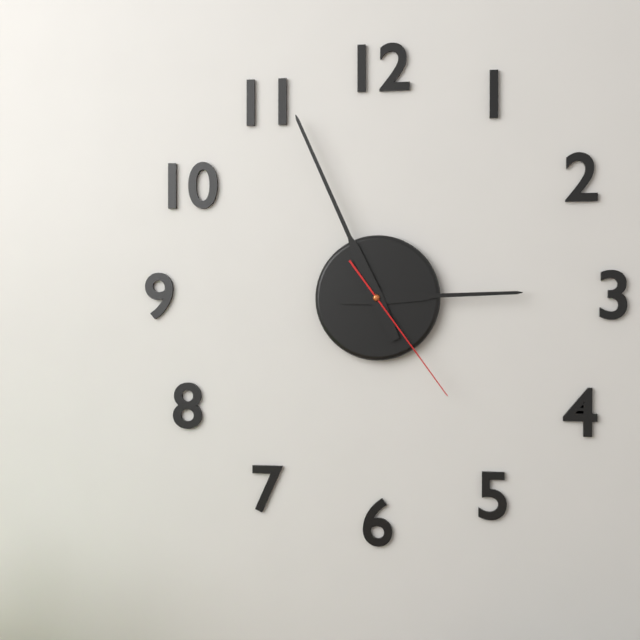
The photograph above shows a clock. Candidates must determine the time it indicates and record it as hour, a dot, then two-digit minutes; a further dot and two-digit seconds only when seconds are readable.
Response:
2.56.24
